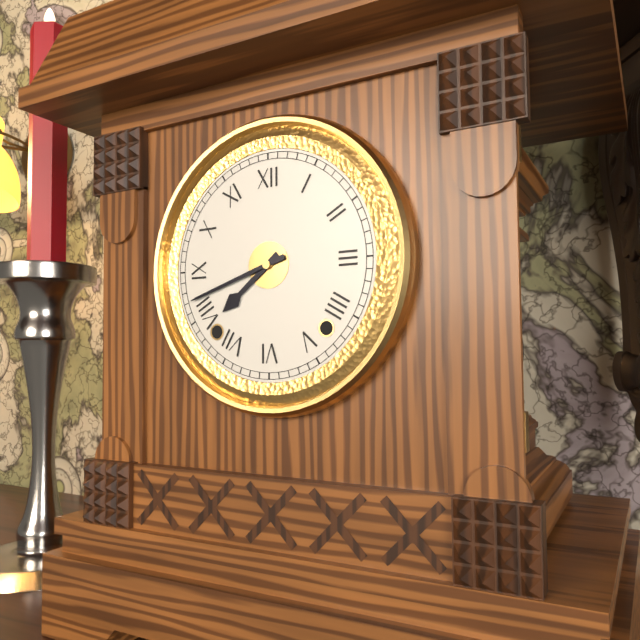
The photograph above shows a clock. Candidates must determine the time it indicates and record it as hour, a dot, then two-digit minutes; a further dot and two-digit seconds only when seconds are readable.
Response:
7.42
